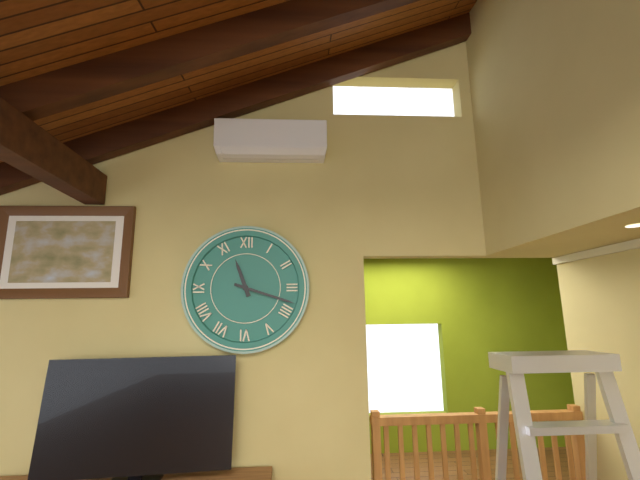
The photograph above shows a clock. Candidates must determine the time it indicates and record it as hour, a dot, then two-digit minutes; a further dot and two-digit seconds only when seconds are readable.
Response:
11.18
